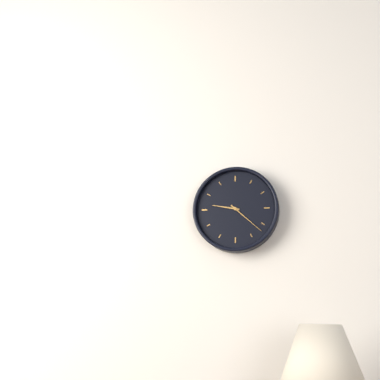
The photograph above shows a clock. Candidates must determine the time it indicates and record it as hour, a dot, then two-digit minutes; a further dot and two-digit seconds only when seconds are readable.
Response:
9.22
